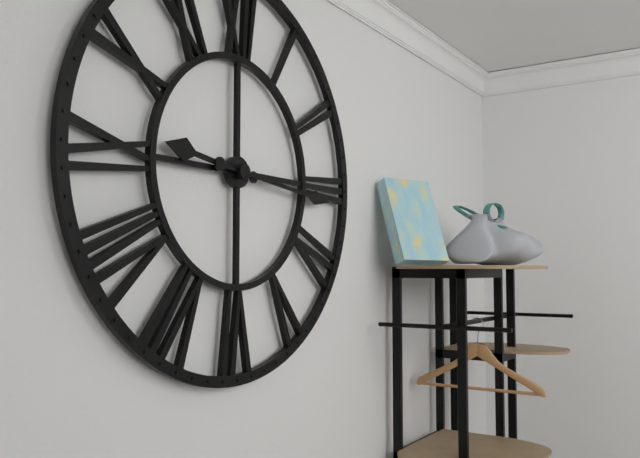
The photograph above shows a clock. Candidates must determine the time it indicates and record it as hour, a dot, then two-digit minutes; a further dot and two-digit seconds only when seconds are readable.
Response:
9.16
